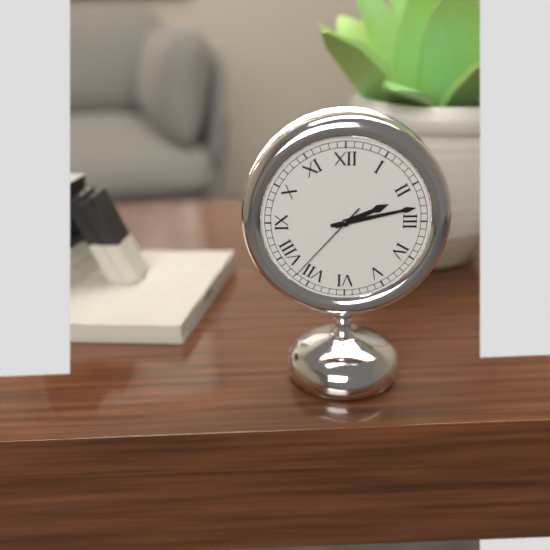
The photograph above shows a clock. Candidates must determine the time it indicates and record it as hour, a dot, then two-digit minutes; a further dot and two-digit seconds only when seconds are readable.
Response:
2.13.37
